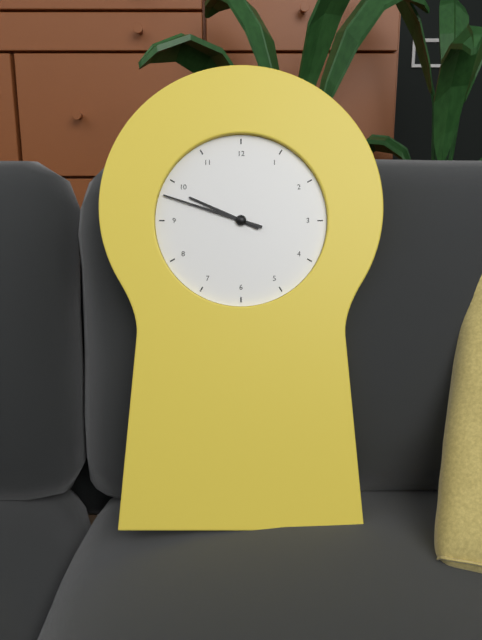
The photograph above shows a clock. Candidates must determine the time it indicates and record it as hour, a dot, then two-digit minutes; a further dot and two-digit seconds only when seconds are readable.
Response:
9.48
